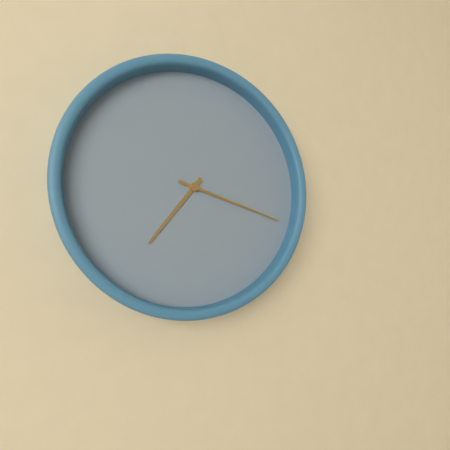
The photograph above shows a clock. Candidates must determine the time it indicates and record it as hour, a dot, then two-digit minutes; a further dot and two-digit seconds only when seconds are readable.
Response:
7.18
